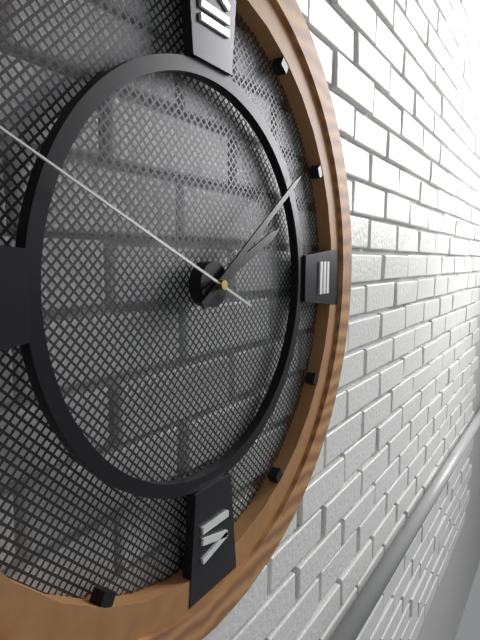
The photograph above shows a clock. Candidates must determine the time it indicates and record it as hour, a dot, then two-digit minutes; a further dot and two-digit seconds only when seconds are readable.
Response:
2.09
